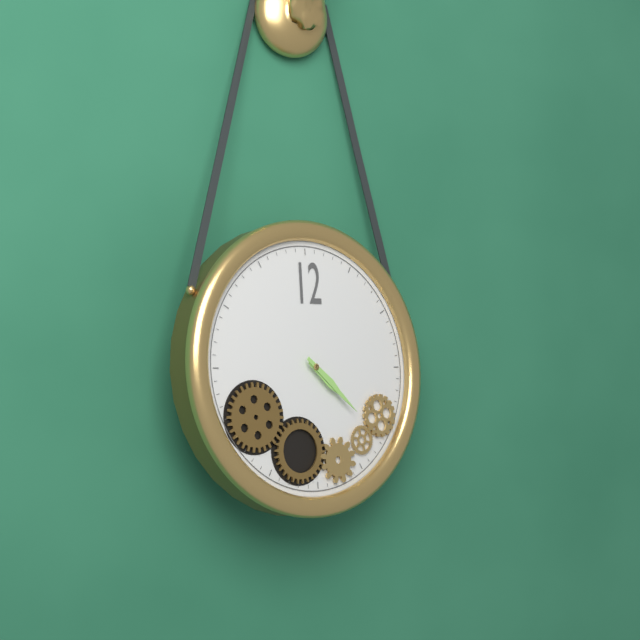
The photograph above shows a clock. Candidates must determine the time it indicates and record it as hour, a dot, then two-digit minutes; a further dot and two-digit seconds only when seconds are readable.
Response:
4.22
